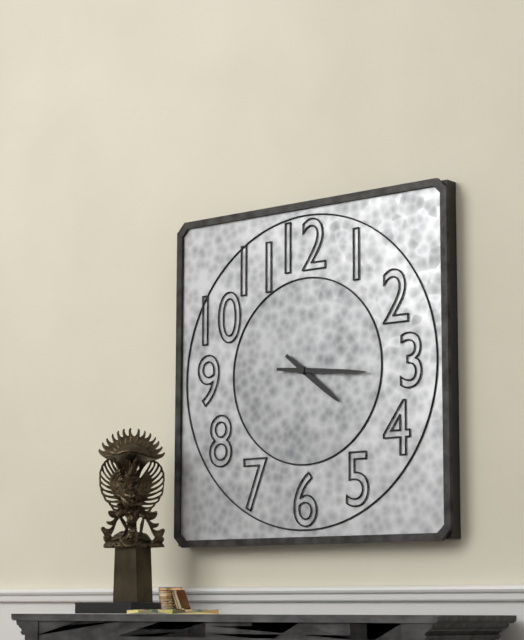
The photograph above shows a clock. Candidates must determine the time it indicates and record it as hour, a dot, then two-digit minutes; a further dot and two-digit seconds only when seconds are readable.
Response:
4.16
